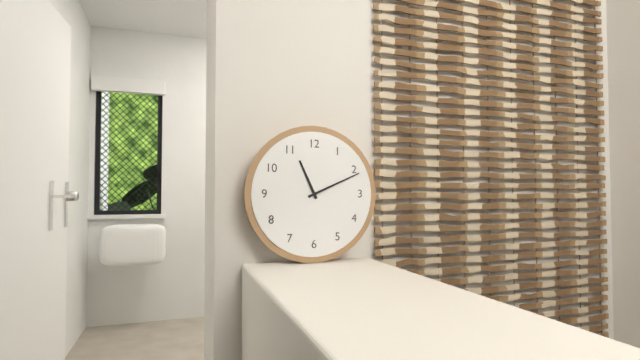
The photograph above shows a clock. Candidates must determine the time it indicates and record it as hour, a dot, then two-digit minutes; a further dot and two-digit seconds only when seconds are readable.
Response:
11.11
